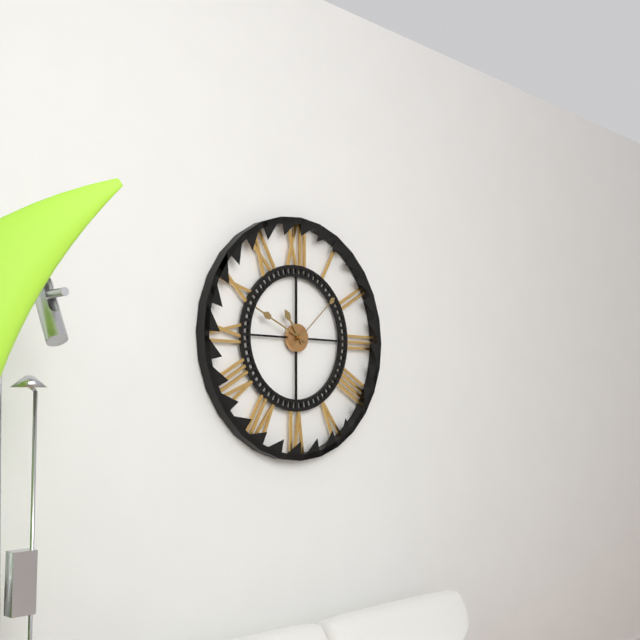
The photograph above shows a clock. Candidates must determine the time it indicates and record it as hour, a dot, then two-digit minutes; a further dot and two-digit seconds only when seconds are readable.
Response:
10.49.08
